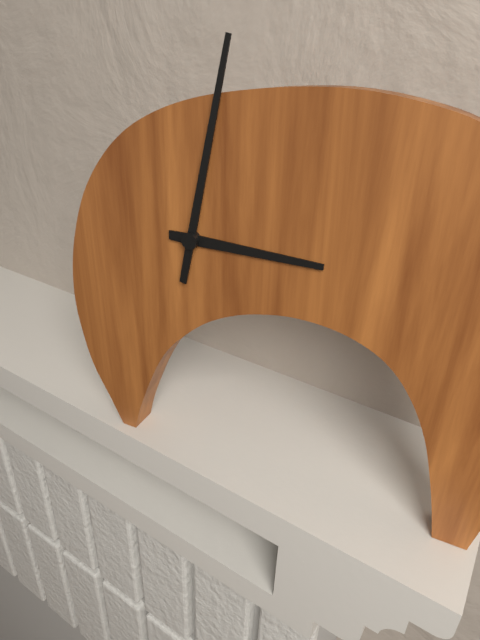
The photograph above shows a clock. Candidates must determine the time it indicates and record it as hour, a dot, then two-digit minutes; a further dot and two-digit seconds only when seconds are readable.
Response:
3.02
